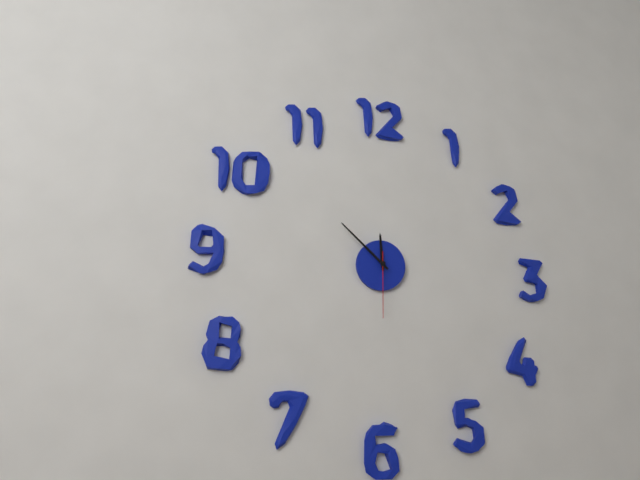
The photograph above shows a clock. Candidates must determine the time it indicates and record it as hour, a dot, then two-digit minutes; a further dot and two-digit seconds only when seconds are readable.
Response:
11.52.30
